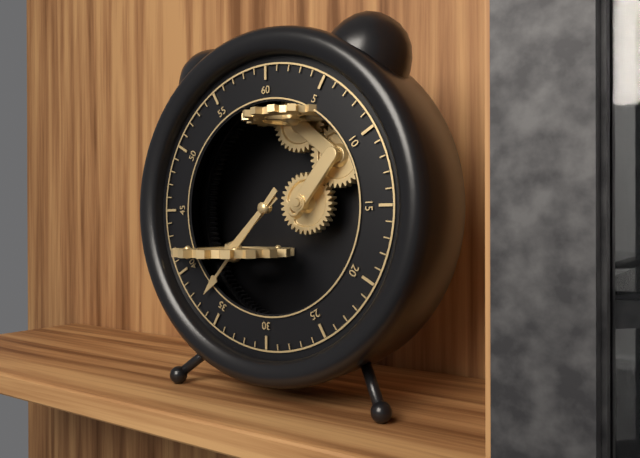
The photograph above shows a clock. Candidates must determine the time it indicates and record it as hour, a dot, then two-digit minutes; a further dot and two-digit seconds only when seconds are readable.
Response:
7.37
